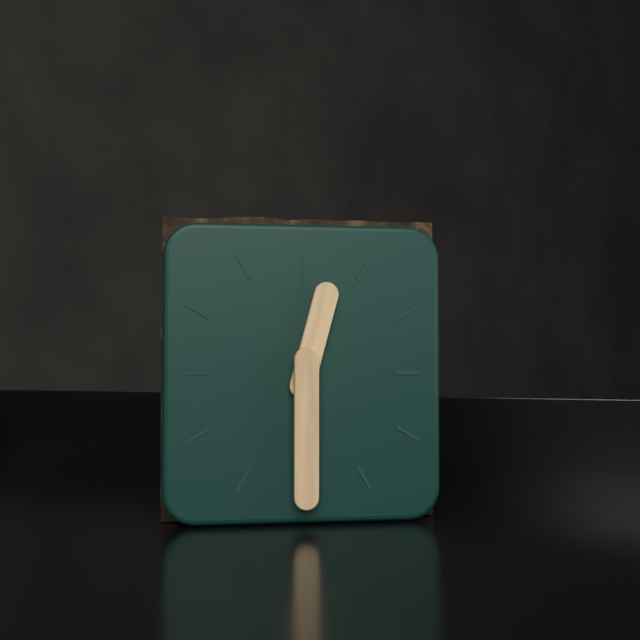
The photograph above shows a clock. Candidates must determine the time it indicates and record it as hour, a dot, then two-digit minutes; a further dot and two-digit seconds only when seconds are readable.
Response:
12.30
